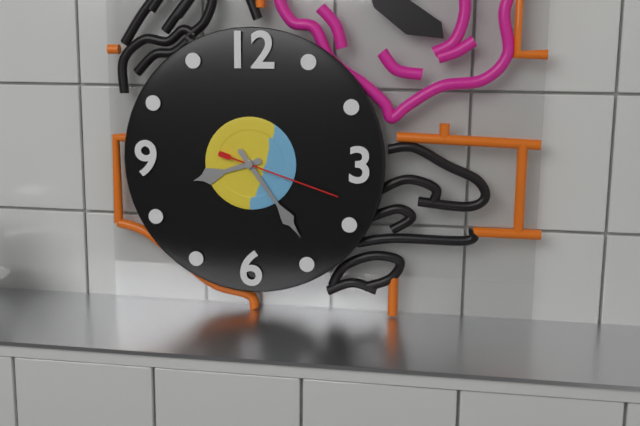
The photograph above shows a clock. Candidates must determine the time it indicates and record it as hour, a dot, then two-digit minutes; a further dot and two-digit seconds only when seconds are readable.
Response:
8.24.18
